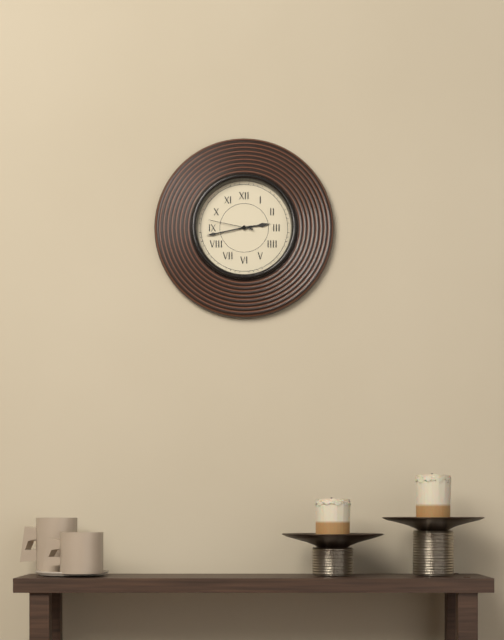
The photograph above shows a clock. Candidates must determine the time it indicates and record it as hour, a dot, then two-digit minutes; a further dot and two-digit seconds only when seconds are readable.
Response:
2.43
